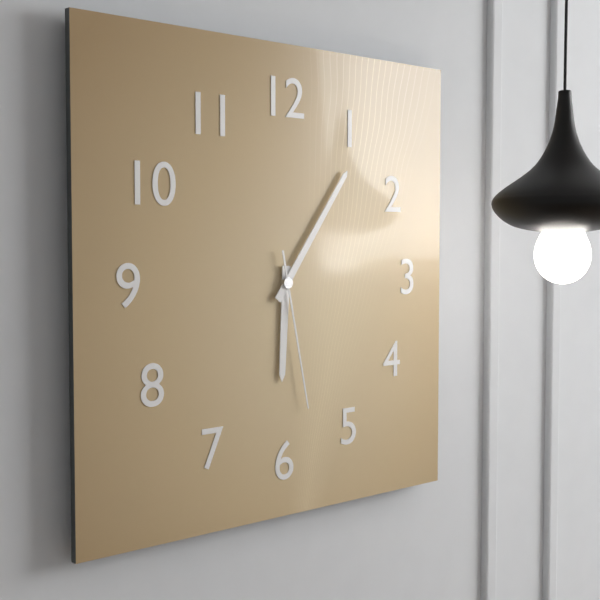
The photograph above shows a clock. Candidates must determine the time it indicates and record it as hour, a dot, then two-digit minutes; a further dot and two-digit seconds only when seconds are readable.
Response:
6.06.28
